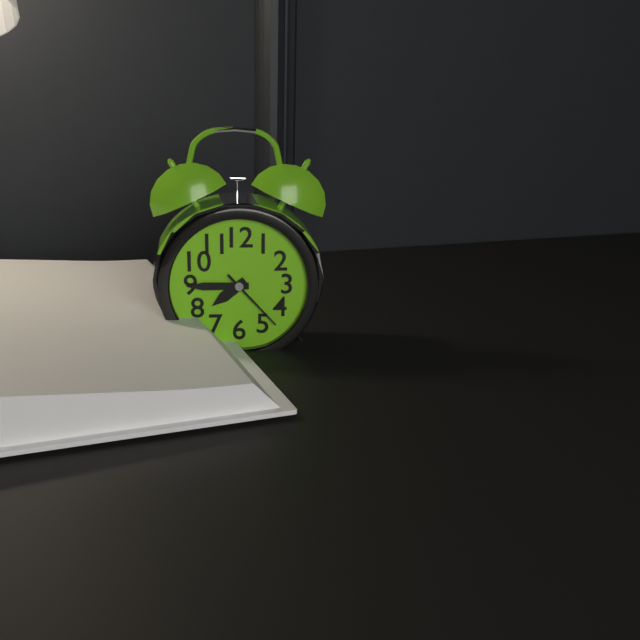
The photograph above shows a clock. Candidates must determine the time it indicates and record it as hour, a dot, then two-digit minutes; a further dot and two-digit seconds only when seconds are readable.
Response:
7.45.23
